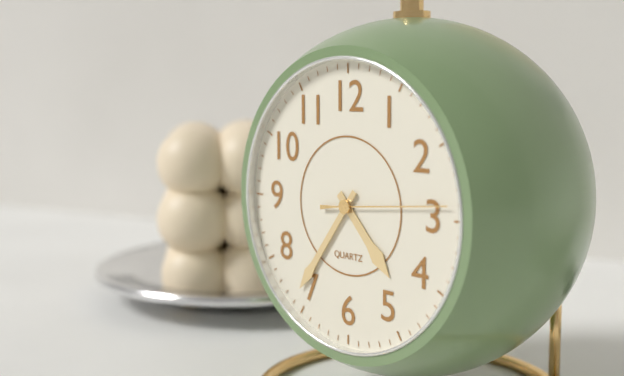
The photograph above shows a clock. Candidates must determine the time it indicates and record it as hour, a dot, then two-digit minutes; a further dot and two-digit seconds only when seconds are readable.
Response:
4.36.14
